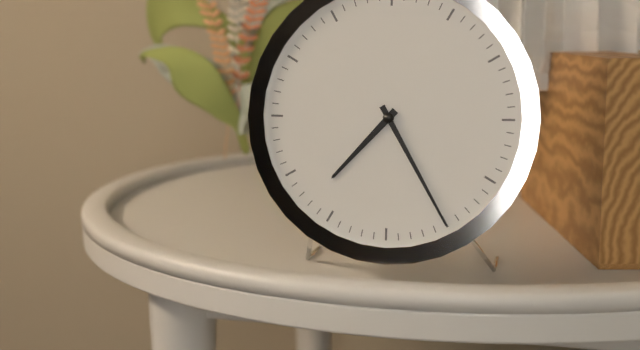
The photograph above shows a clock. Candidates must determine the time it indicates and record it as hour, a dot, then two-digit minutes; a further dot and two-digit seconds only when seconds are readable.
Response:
7.25
